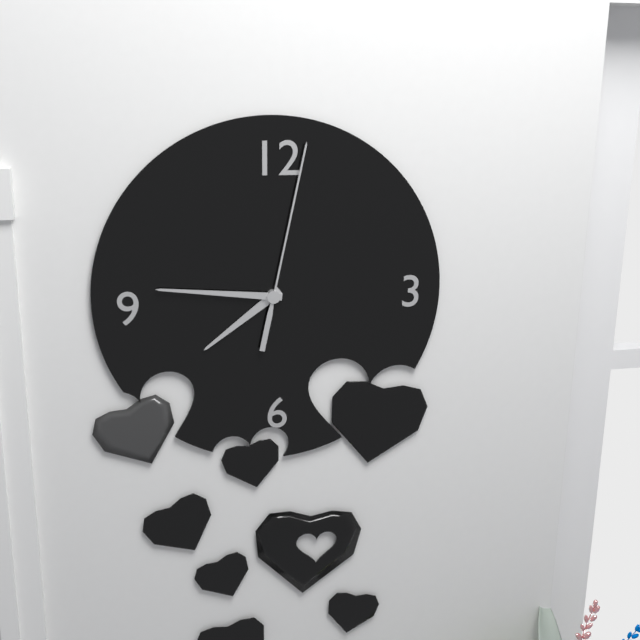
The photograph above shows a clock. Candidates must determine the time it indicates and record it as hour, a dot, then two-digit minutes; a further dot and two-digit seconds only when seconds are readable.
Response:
7.46.02
